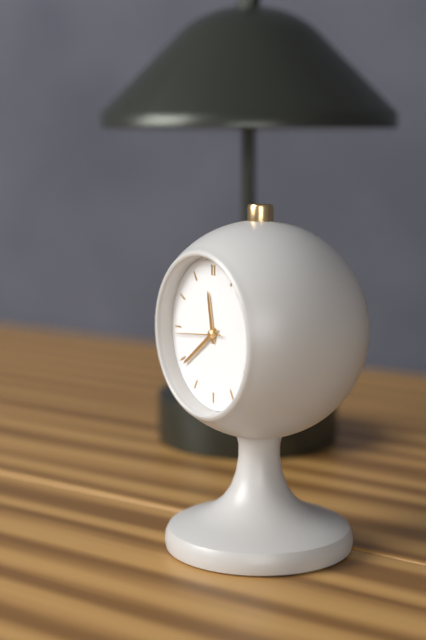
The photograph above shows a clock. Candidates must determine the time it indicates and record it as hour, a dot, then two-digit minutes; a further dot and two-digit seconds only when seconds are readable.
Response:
11.39.44
